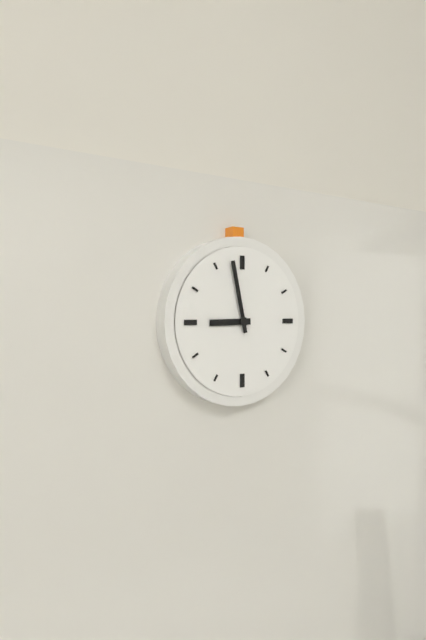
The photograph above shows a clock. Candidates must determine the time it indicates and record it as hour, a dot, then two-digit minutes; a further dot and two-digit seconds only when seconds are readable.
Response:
8.58
